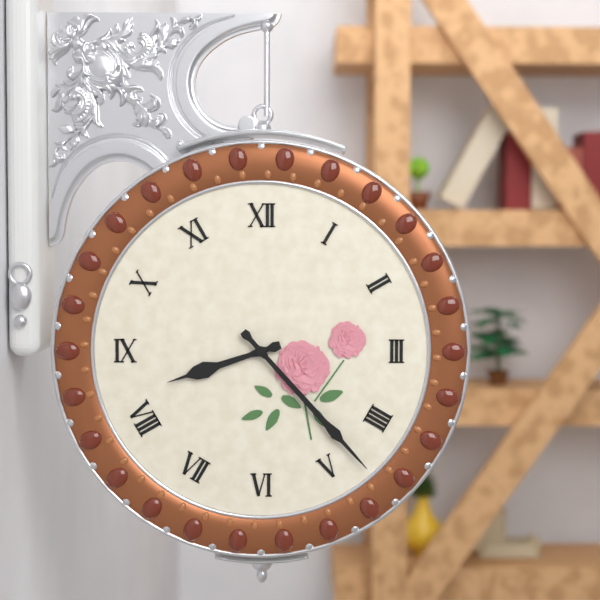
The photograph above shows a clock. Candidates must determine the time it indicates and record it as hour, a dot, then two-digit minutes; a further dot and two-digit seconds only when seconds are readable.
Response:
8.23
